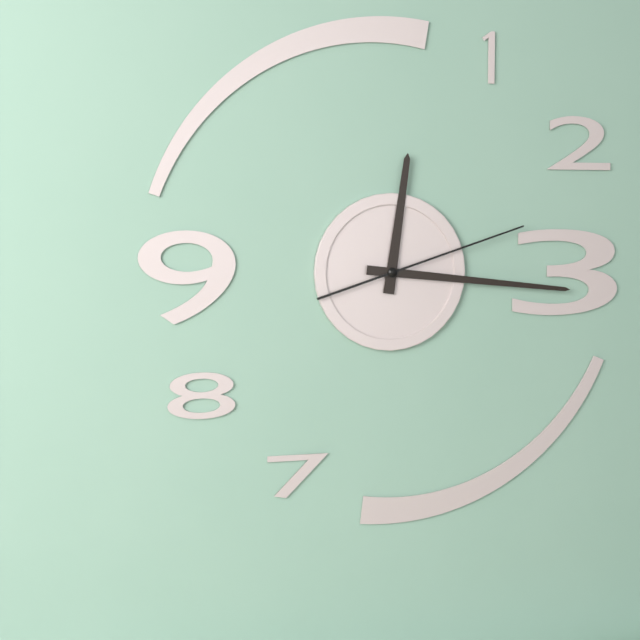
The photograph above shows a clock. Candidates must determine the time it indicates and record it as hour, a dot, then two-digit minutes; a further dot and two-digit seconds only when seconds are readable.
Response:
12.16.12
